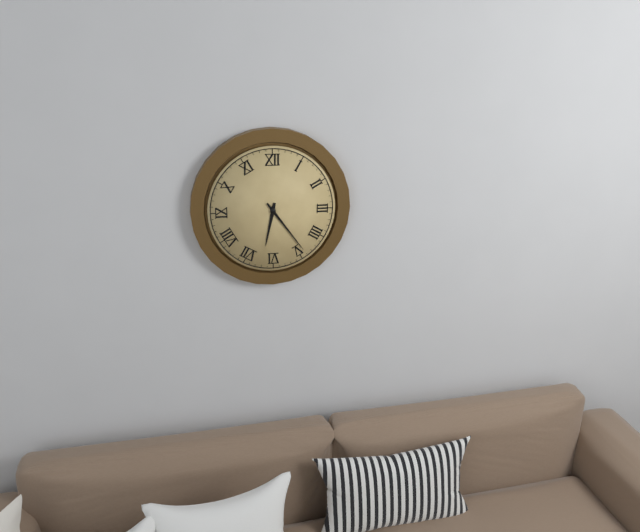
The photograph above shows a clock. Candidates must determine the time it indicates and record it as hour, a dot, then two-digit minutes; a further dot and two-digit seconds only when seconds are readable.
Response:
6.24
